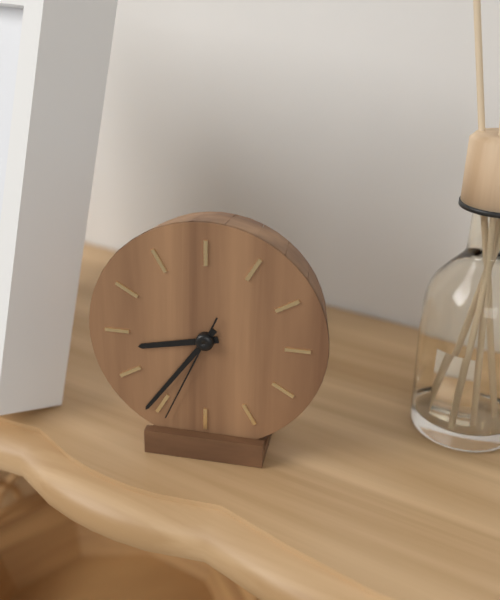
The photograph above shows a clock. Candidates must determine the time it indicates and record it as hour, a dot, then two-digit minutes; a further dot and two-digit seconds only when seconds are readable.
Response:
8.36.34
